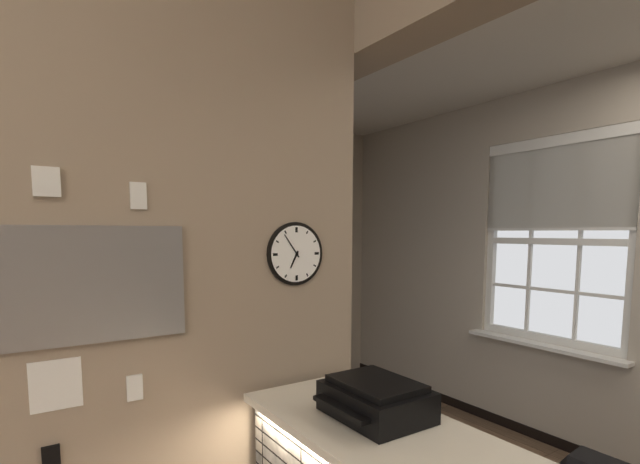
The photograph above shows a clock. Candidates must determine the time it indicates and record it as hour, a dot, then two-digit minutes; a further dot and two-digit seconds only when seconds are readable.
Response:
6.54
